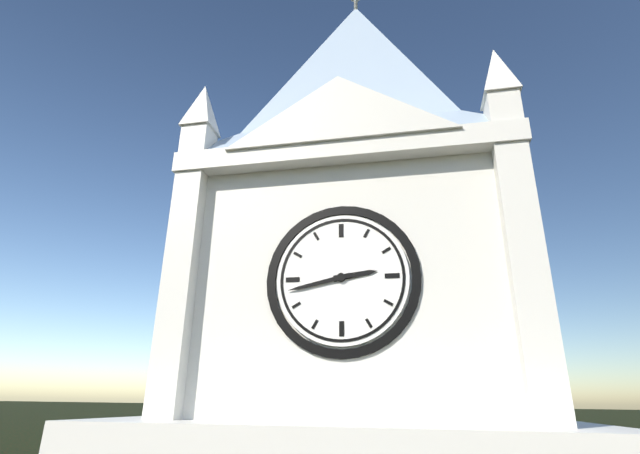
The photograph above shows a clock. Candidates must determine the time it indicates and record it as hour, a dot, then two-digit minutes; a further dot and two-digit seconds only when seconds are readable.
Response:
2.43
